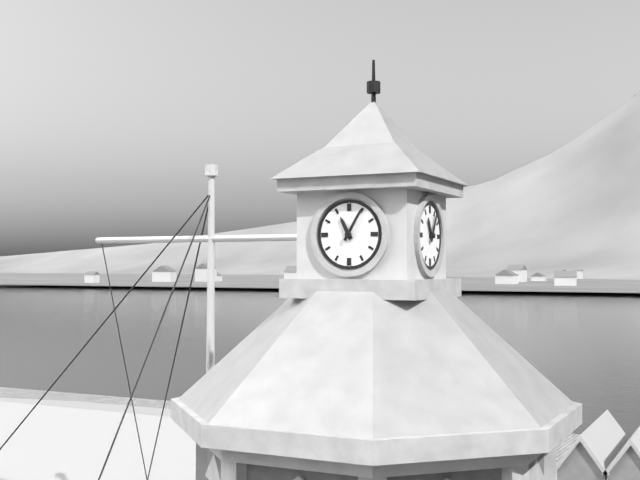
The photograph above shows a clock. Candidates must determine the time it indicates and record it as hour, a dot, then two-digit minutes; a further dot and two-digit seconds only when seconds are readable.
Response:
11.05
